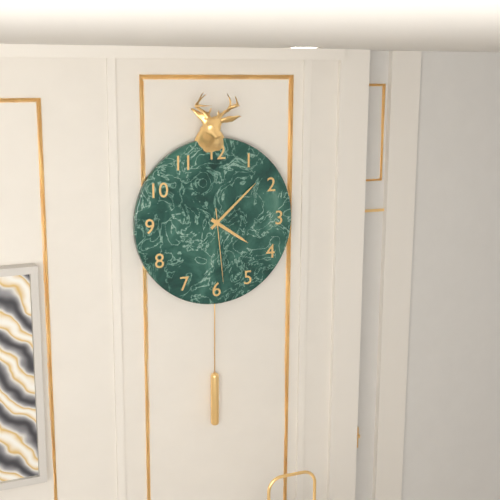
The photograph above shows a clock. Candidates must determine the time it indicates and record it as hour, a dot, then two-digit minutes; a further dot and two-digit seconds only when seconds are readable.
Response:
4.08.29
